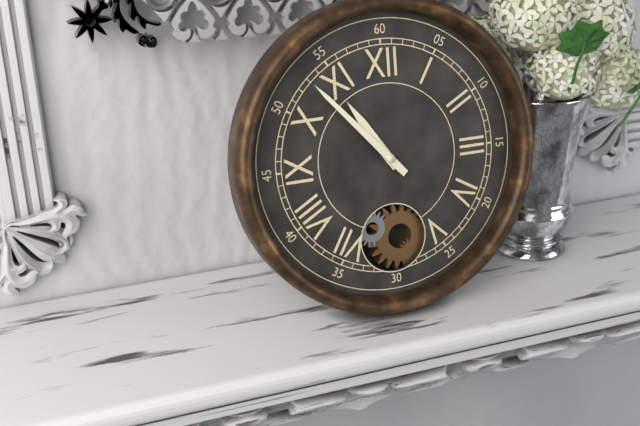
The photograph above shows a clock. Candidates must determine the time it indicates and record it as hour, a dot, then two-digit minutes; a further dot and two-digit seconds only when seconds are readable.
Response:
10.53
